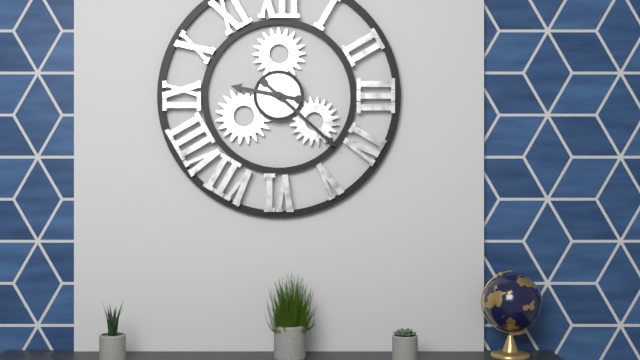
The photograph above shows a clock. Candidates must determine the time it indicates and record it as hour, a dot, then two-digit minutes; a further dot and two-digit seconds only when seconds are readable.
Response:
9.22
